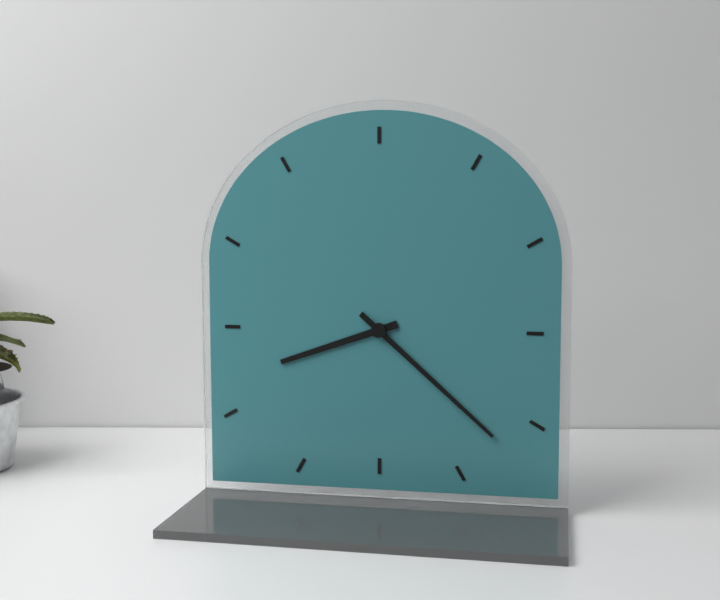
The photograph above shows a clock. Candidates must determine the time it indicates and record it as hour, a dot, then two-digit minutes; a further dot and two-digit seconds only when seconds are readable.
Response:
8.22
